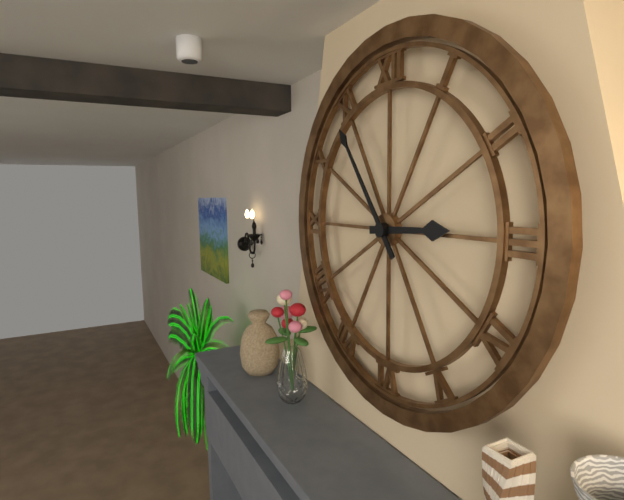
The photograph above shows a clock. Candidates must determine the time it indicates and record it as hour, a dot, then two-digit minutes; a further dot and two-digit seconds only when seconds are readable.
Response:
2.54
